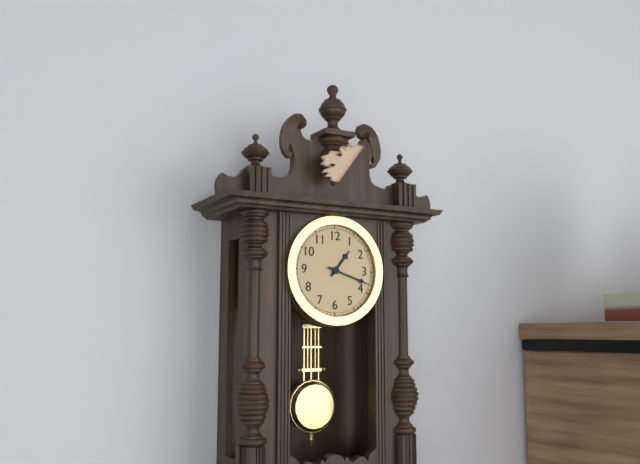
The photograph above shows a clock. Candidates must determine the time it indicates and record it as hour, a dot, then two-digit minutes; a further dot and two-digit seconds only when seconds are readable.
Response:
1.18
